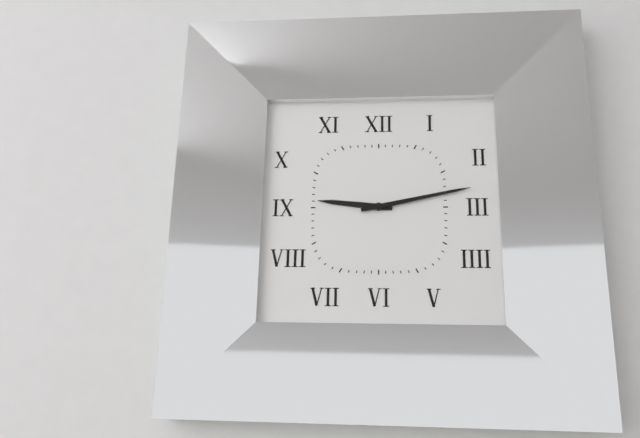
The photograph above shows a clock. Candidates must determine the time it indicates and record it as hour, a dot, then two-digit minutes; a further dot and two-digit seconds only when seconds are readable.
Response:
9.13
